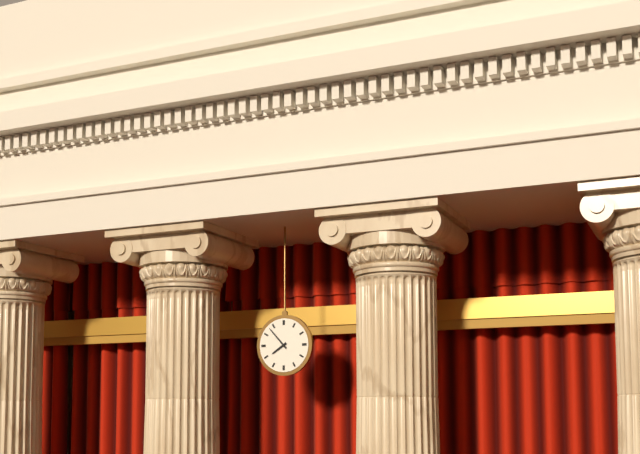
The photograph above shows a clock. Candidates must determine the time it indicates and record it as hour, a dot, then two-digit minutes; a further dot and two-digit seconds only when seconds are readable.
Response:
7.53
